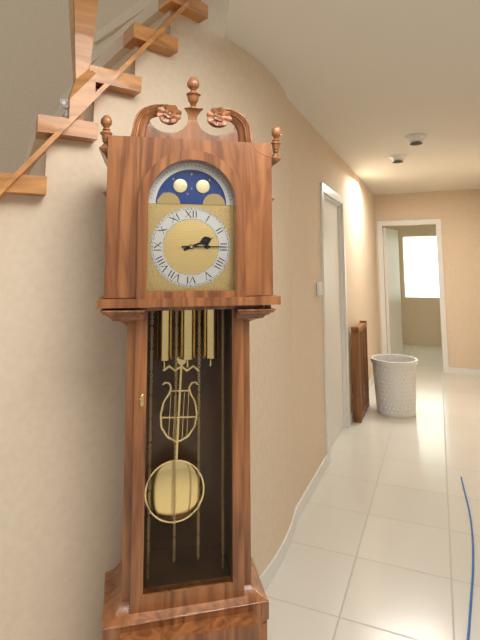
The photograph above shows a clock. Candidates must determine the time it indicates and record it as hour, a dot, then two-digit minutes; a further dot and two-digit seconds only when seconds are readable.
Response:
2.15
